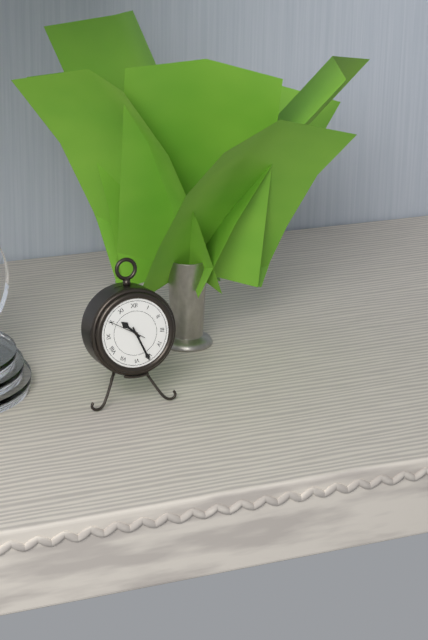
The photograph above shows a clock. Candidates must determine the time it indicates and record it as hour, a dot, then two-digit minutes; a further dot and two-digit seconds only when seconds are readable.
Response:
10.26
